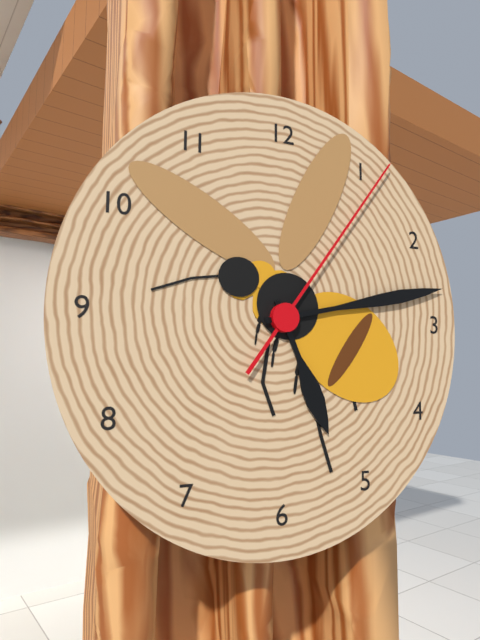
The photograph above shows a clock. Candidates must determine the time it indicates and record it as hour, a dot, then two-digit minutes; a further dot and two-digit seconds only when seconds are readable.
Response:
5.13.06
